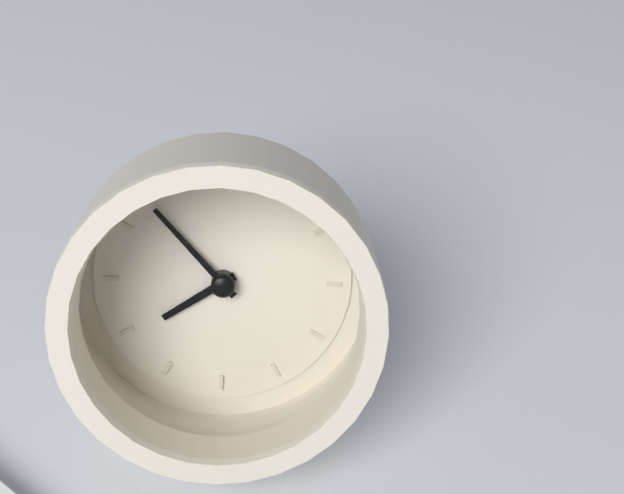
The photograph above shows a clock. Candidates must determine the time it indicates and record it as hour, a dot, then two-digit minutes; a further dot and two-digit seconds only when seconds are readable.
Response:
7.53
